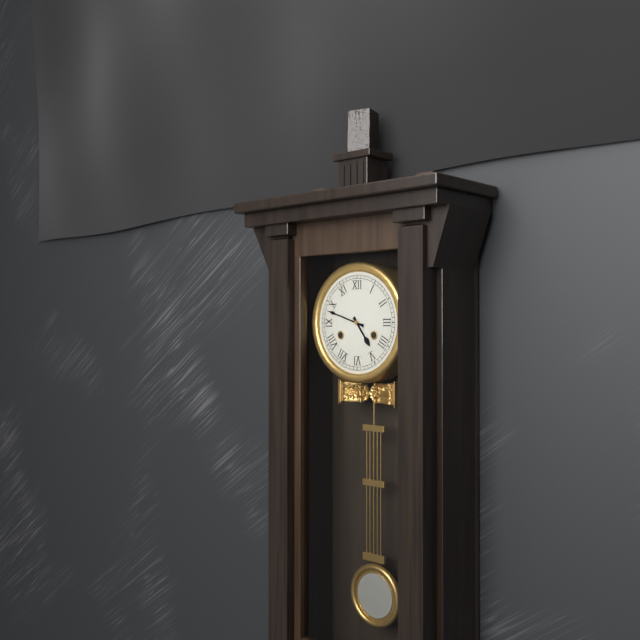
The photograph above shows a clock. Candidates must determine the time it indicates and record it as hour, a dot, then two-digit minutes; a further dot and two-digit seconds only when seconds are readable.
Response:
4.48
